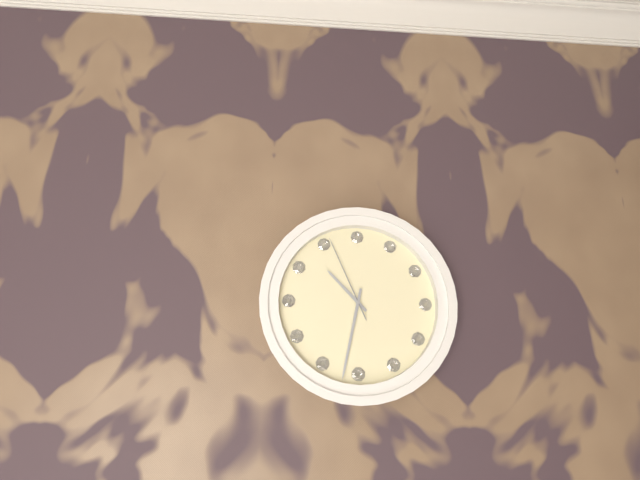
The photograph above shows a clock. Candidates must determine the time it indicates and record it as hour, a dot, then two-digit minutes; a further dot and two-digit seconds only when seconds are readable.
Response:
10.32.56
